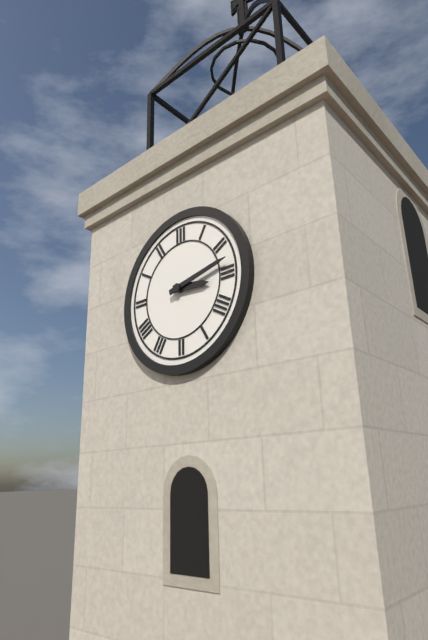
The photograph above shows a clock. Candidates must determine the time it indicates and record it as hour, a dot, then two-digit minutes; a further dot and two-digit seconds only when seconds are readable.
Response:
3.13
